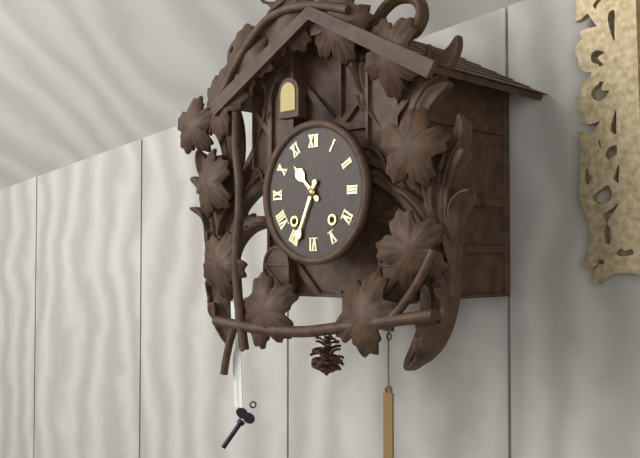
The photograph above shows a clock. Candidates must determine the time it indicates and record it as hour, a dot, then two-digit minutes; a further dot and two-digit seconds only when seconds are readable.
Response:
10.34
